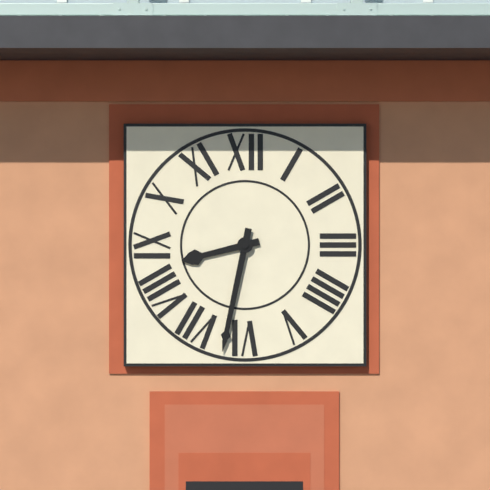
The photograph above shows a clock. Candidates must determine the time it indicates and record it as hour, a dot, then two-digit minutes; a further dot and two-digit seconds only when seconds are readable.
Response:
8.32
